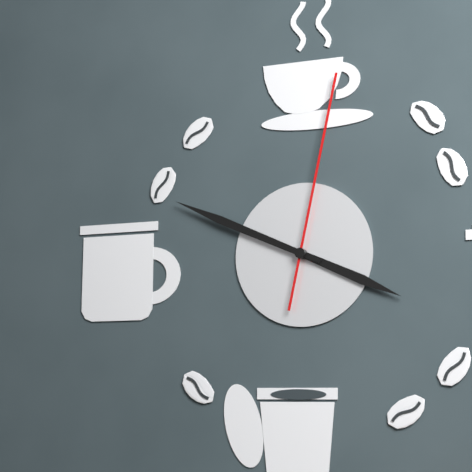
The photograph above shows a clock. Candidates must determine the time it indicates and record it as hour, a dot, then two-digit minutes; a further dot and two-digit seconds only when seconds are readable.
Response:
3.49.02
